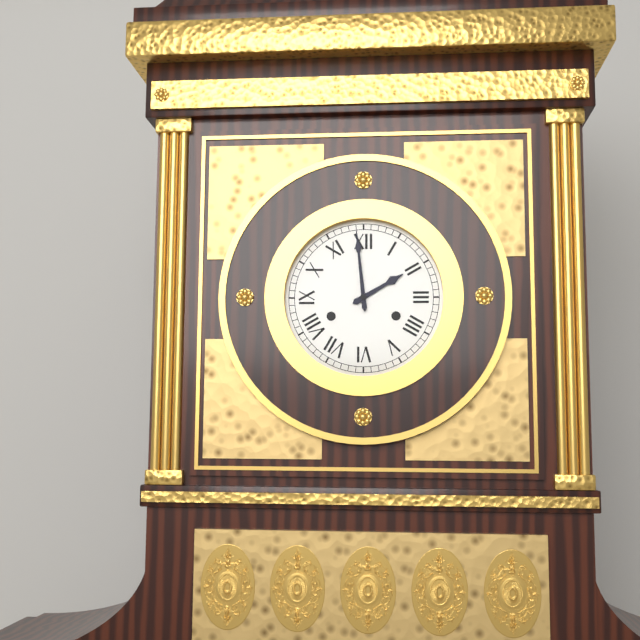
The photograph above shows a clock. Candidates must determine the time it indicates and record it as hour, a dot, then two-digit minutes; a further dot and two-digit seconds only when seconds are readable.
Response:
1.59
